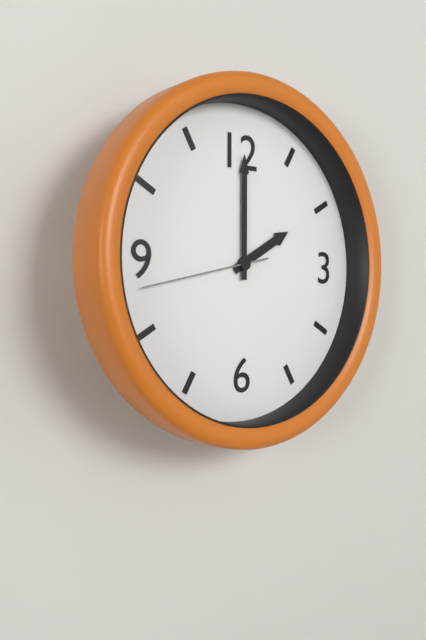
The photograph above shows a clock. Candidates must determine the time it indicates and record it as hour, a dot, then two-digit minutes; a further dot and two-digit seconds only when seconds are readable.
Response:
2.00.43
